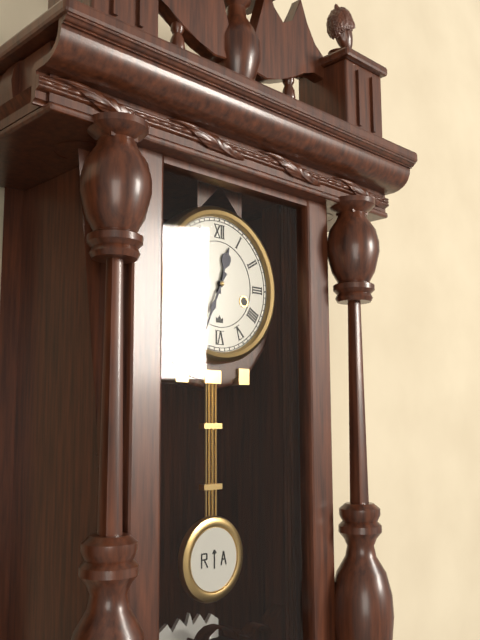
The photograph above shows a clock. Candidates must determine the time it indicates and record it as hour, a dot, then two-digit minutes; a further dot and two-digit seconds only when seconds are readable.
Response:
12.34
